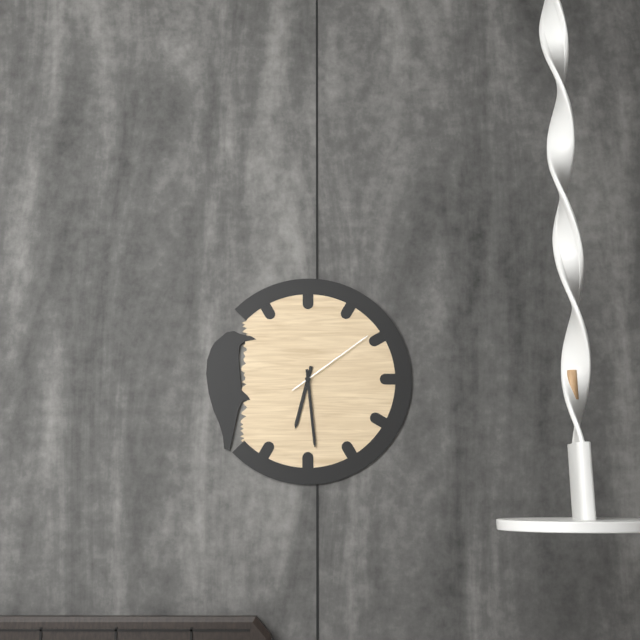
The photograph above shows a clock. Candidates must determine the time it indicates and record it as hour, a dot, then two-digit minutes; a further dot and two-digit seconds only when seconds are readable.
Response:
6.29.09
